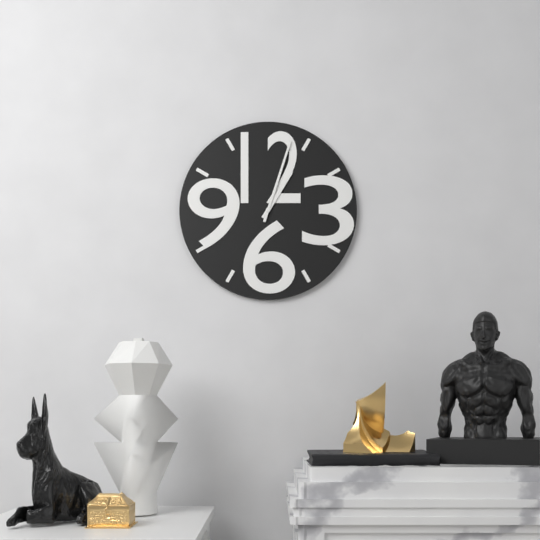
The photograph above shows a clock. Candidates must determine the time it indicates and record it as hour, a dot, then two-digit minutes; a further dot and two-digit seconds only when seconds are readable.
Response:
1.03
